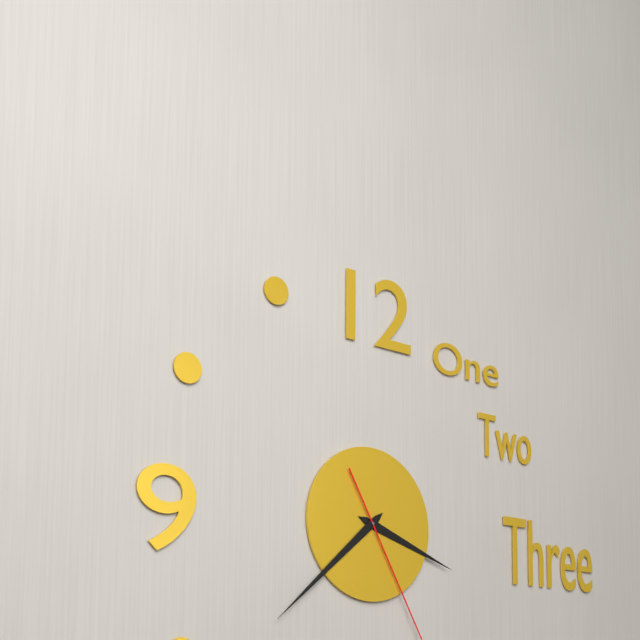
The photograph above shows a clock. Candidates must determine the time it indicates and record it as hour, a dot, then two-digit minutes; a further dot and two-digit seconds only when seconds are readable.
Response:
3.38
